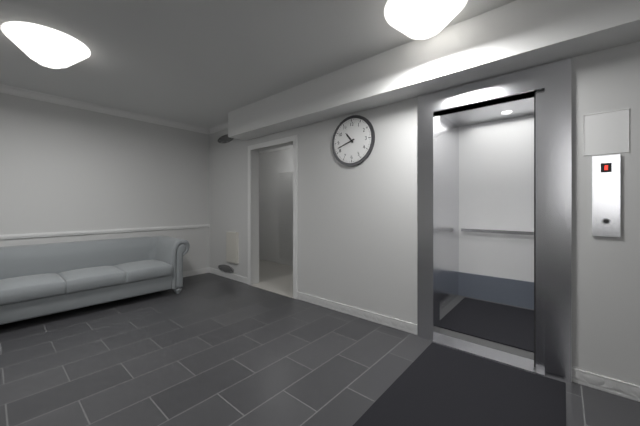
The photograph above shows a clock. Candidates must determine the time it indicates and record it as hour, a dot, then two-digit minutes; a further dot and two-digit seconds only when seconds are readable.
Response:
10.42
